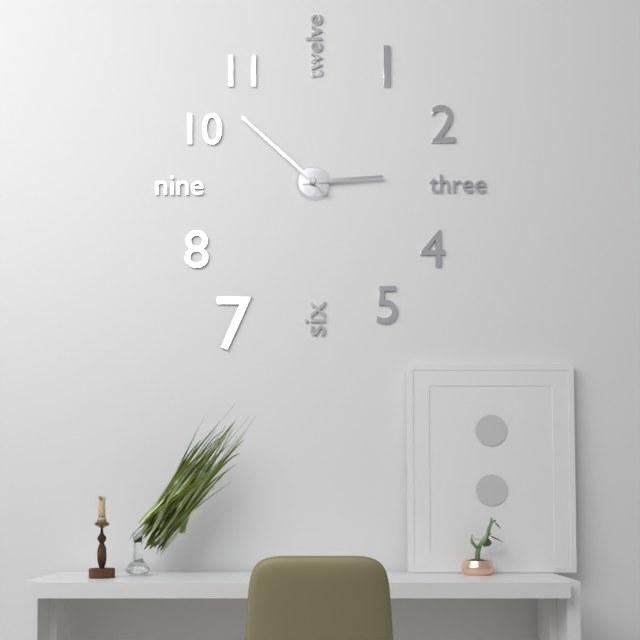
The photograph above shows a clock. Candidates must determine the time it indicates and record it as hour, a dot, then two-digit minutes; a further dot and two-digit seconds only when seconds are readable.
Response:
2.52
